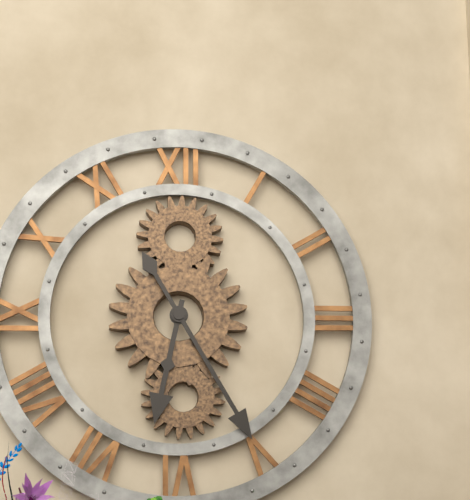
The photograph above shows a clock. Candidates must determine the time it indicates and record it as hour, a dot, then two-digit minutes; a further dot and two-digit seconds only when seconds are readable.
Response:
6.25
